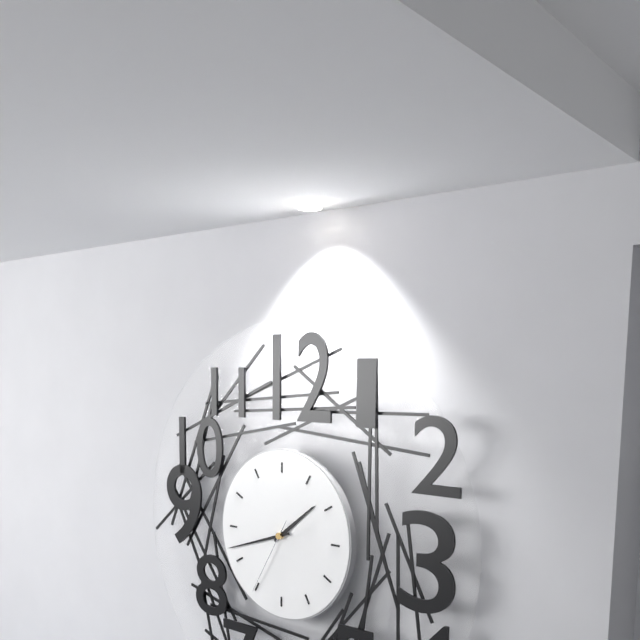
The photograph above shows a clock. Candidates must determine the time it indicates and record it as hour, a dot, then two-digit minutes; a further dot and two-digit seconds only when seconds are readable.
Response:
1.42.35
